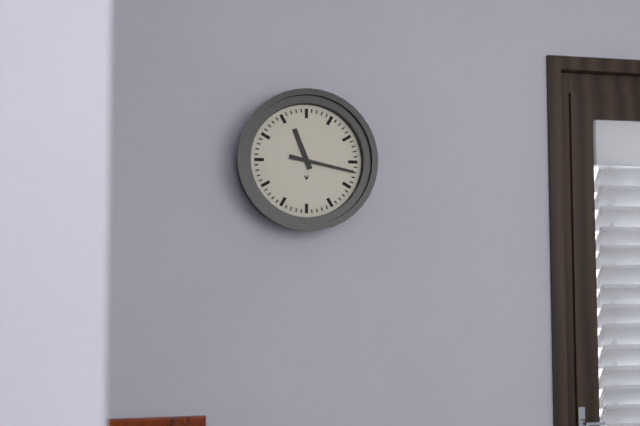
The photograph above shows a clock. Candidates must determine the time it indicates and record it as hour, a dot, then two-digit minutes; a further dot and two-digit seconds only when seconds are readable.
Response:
11.17
